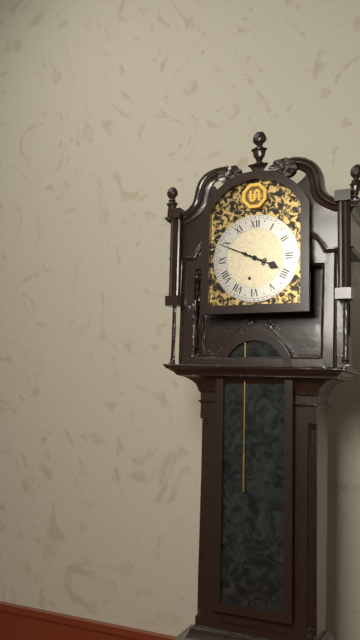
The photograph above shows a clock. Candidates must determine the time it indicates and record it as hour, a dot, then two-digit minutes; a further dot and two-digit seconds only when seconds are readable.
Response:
3.49
